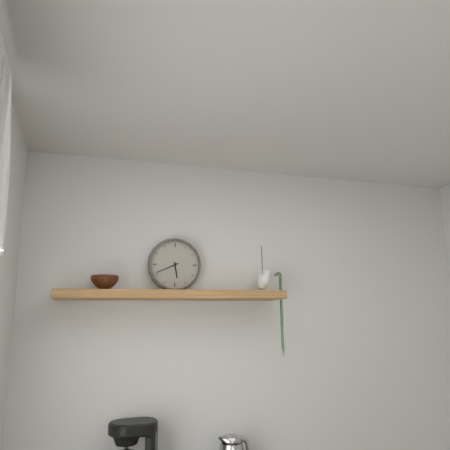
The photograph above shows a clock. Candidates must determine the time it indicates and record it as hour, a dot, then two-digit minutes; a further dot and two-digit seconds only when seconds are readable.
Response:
5.41
